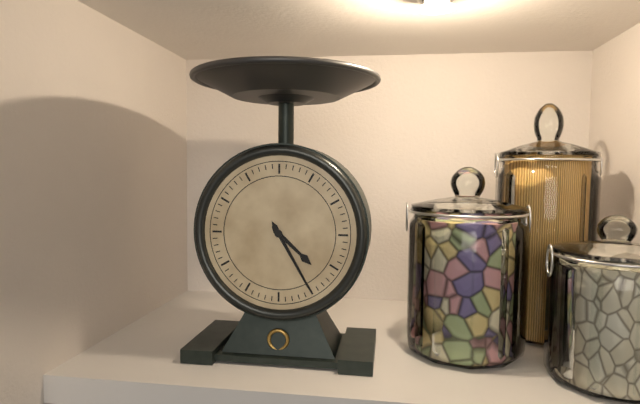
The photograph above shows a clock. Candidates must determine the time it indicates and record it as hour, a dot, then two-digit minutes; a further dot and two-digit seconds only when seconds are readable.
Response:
4.25
